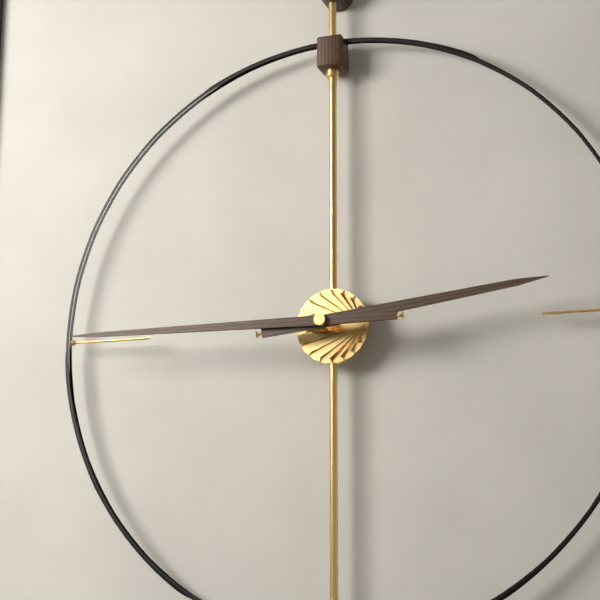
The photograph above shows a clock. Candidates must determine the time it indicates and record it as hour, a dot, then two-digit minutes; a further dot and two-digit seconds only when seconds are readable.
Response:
2.45
